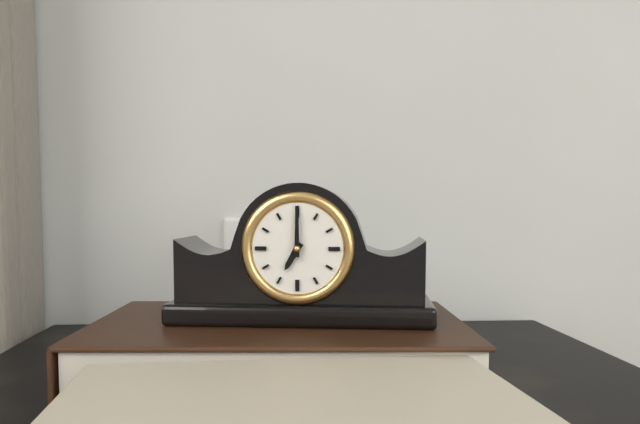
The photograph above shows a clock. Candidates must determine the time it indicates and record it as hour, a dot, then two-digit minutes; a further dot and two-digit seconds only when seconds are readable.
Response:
7.00
